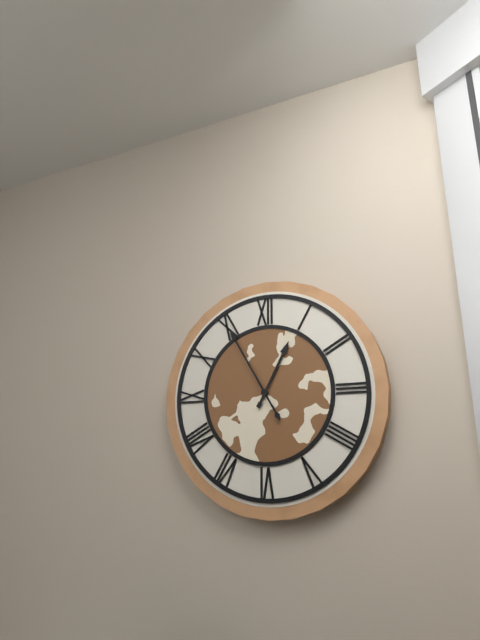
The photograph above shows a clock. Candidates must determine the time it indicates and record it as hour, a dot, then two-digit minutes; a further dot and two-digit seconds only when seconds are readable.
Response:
12.55
